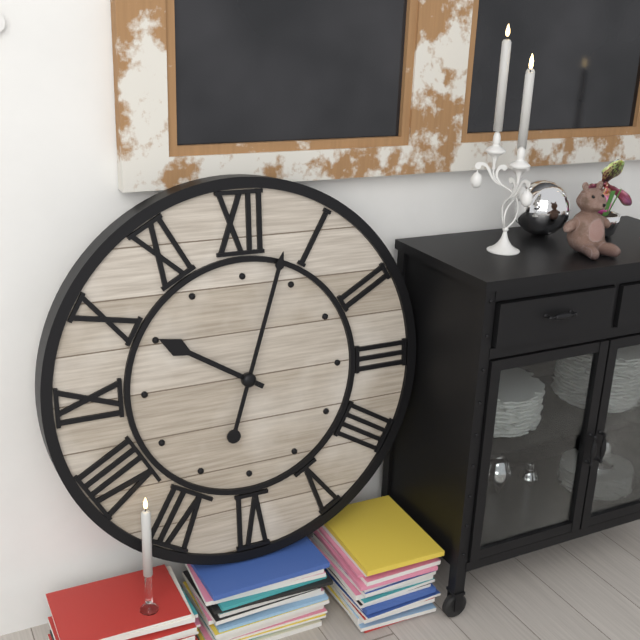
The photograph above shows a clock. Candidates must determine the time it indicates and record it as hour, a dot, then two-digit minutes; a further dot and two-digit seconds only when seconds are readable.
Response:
10.03
